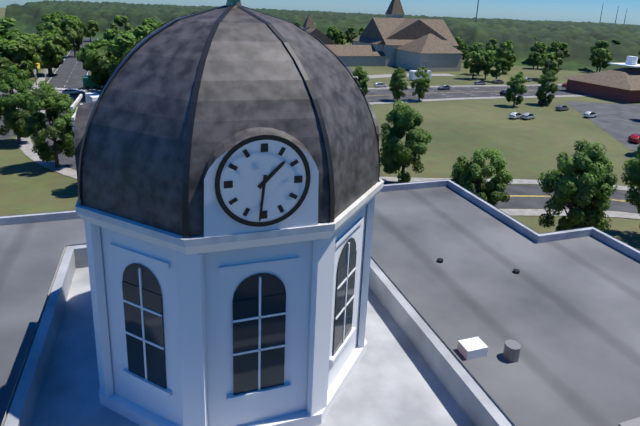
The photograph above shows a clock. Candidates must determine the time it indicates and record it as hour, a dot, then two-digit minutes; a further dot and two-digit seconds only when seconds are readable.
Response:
1.31
